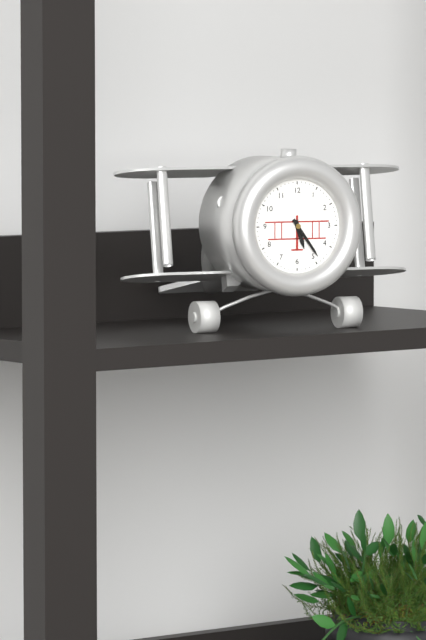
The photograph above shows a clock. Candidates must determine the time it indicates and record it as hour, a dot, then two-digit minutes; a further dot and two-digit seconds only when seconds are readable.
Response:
5.24
